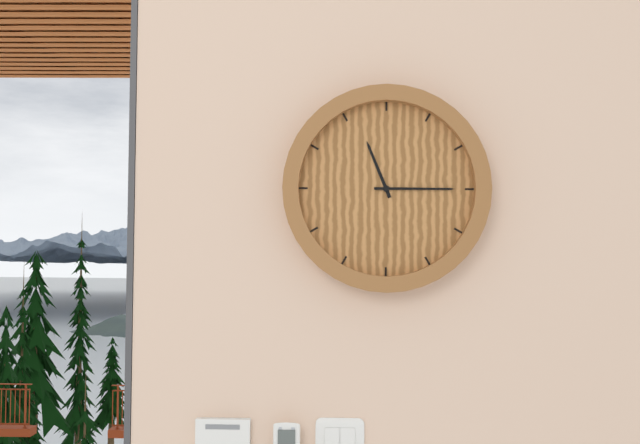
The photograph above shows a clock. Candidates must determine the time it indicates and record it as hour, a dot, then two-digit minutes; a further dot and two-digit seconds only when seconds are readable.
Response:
11.15
